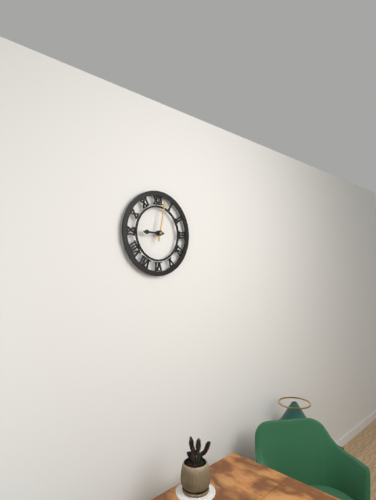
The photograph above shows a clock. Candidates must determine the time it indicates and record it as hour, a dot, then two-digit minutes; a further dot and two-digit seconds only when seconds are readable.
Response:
9.02
